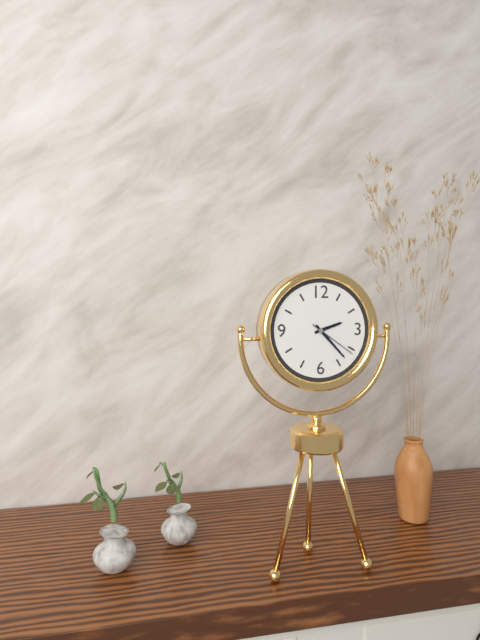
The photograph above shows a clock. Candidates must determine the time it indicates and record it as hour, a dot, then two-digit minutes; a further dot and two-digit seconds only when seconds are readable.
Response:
2.23.21
